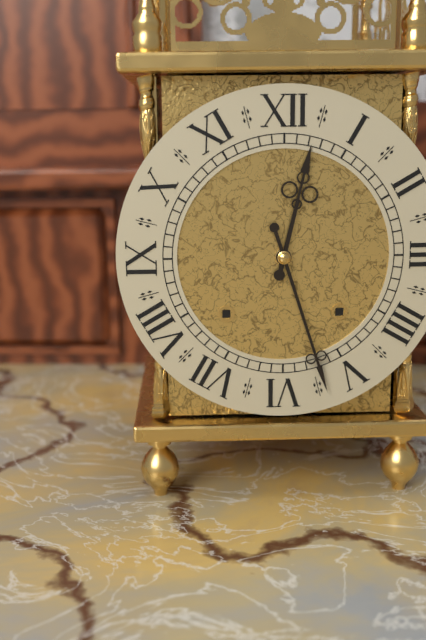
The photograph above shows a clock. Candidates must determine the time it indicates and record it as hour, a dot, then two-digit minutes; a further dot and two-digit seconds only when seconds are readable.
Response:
12.27
